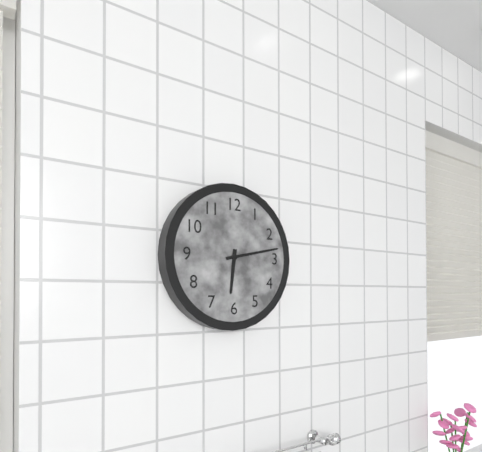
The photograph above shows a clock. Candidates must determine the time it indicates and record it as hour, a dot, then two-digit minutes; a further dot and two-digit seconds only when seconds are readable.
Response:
6.13
